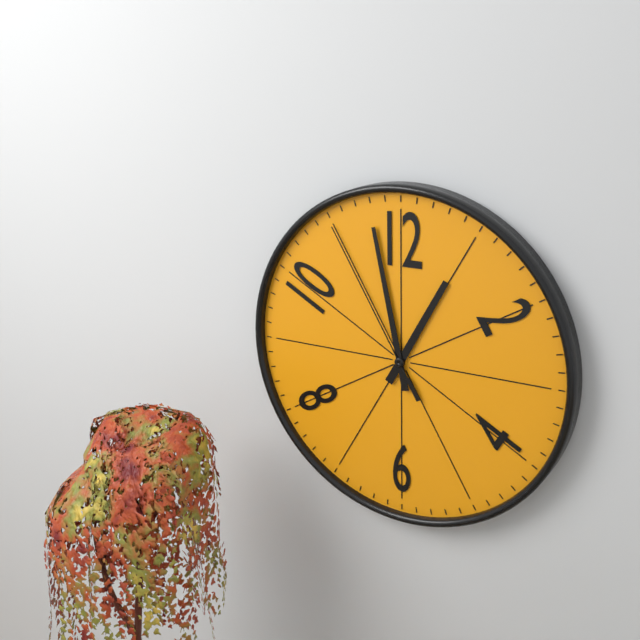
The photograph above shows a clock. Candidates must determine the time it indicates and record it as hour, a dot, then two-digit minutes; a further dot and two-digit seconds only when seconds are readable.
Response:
12.58.55
